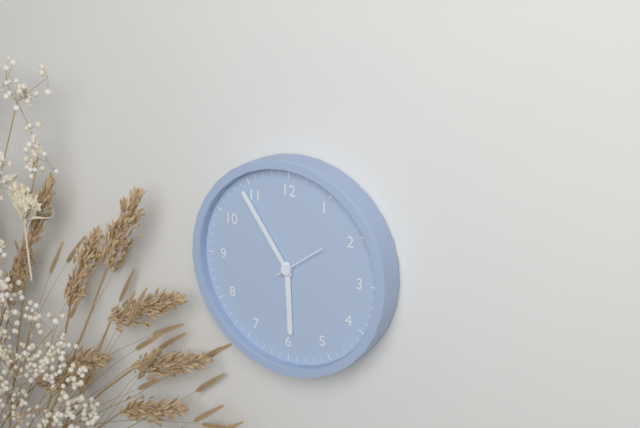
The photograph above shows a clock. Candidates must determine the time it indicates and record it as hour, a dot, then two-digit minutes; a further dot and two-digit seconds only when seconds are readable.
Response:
5.54.09
